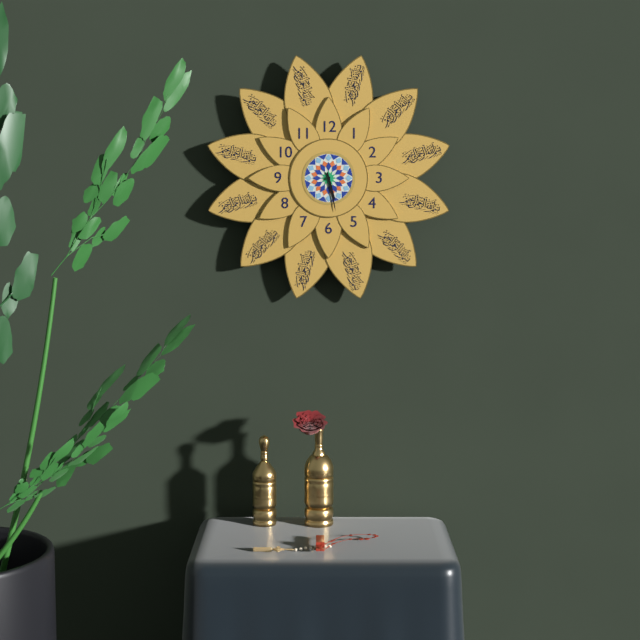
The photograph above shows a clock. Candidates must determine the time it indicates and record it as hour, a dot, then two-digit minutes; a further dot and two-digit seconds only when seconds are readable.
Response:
5.28
